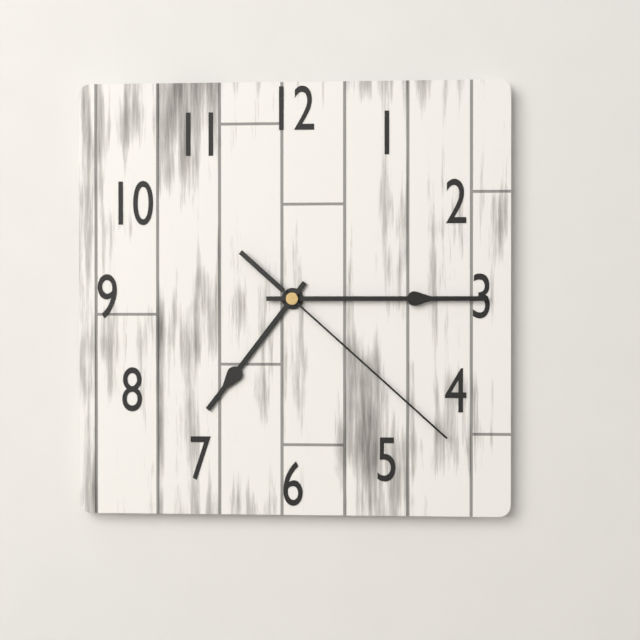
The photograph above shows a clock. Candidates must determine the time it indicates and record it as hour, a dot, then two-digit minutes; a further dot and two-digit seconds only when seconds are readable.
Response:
7.15.22
